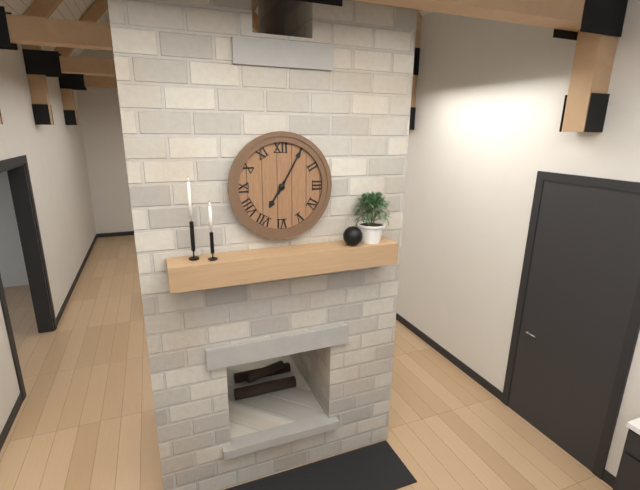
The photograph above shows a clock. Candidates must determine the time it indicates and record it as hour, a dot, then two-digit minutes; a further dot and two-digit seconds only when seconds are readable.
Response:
7.05
